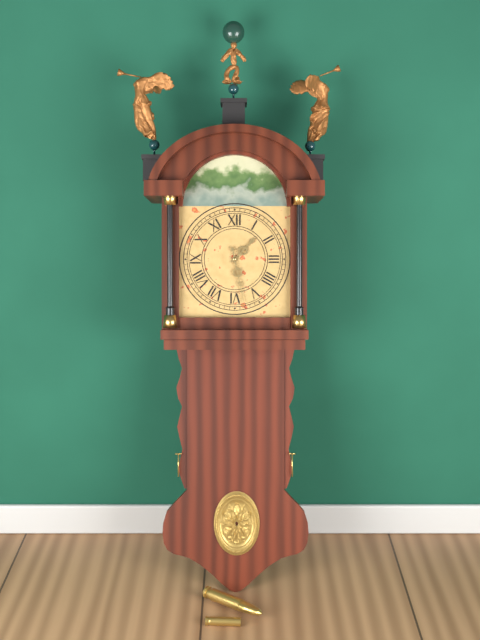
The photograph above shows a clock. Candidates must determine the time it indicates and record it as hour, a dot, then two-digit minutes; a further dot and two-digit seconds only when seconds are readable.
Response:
1.28
